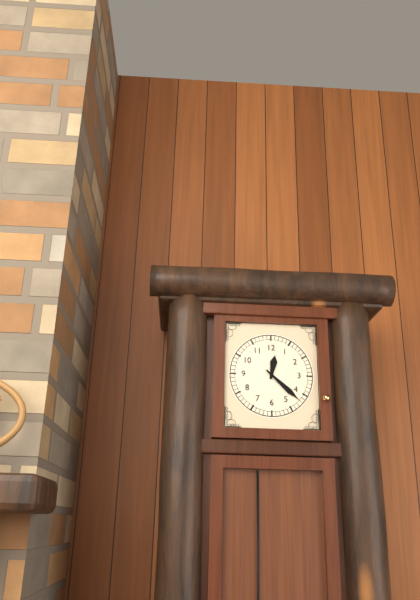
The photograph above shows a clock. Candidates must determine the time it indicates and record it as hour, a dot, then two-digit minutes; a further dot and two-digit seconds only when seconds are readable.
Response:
12.22
